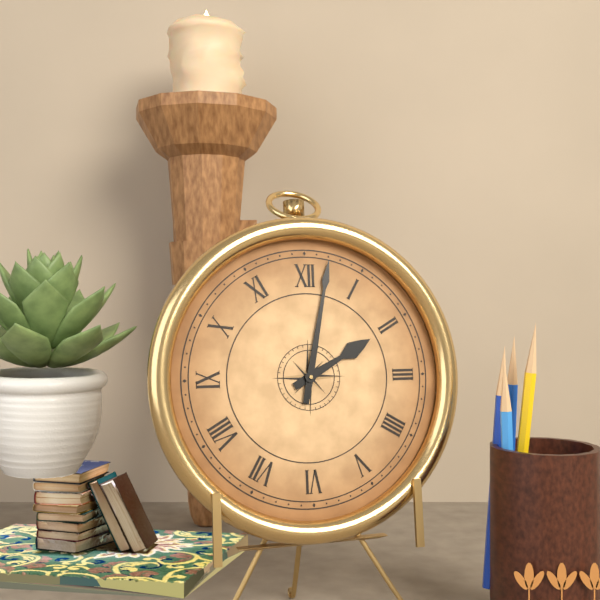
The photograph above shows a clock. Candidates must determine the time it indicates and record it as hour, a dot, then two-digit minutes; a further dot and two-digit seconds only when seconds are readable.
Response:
2.02
